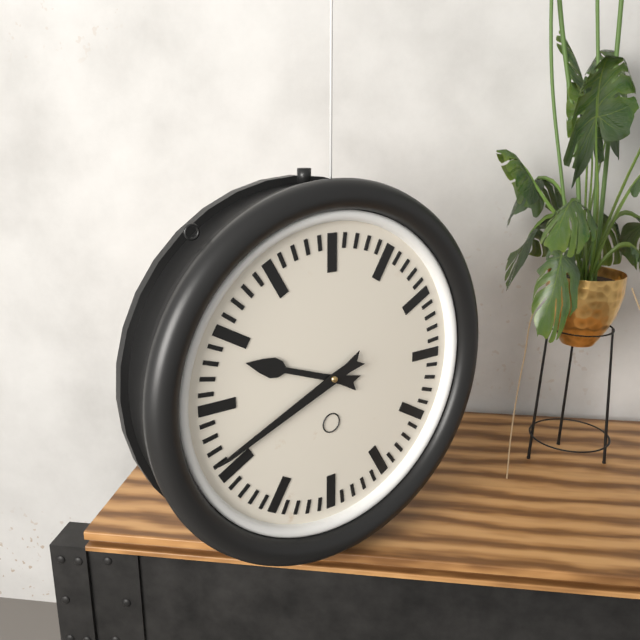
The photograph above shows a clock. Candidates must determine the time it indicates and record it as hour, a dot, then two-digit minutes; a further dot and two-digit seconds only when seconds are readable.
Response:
9.41
